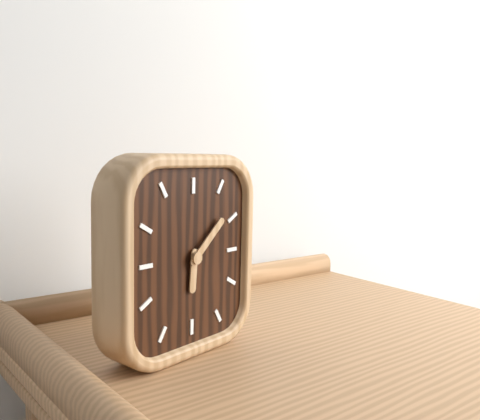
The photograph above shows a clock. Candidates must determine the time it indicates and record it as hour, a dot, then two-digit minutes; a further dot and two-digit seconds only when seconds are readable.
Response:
6.08
